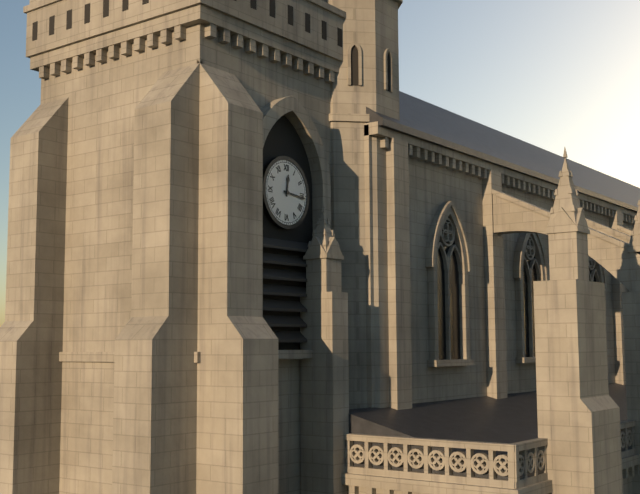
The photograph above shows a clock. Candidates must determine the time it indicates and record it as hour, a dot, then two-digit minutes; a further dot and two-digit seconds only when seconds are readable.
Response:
12.16
